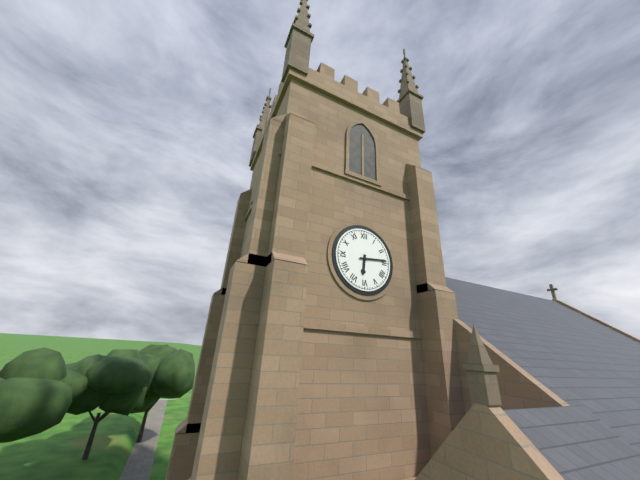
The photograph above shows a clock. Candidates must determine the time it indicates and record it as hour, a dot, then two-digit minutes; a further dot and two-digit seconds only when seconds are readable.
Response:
6.14
